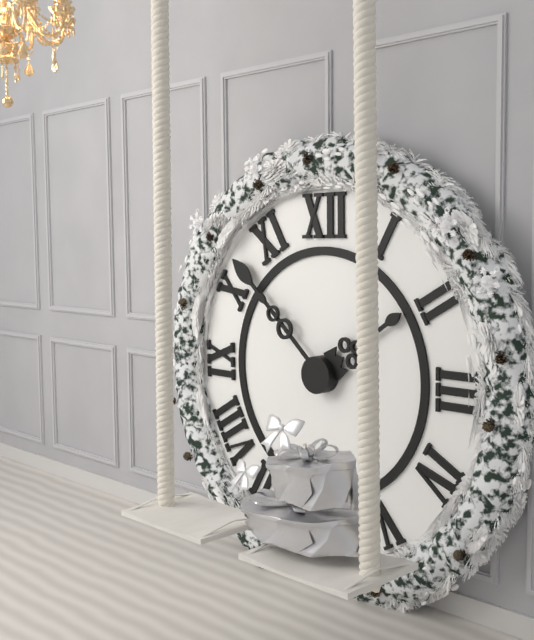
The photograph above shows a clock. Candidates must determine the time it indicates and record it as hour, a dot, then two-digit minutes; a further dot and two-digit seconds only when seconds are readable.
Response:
1.52
